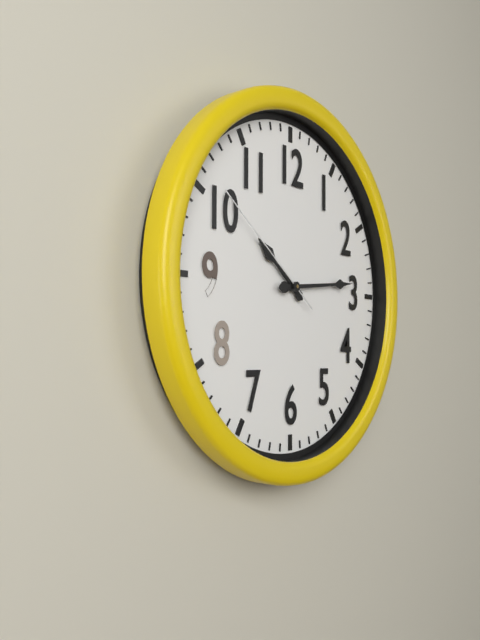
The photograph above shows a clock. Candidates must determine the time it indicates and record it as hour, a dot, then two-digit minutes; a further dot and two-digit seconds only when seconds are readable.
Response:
10.14.51
